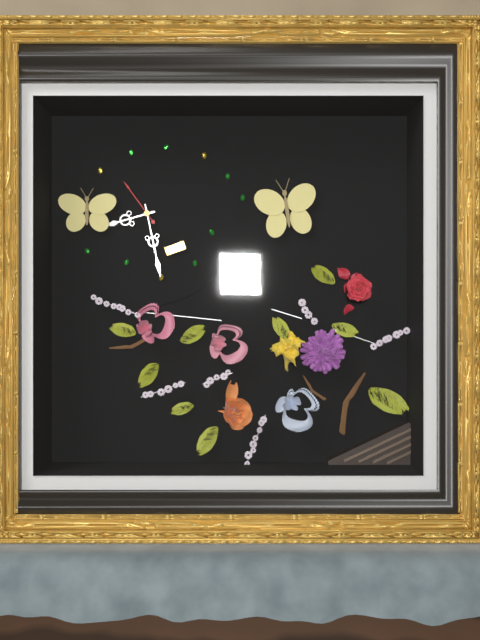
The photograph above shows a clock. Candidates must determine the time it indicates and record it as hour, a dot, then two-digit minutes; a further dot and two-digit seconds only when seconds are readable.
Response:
8.28.54
